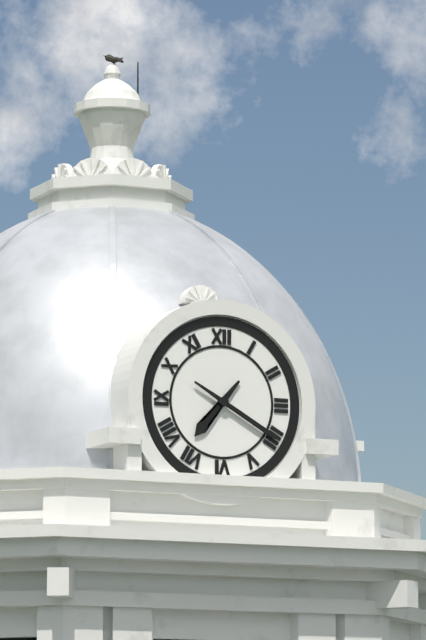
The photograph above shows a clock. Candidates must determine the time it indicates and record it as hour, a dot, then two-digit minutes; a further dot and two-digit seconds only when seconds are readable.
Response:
7.20
